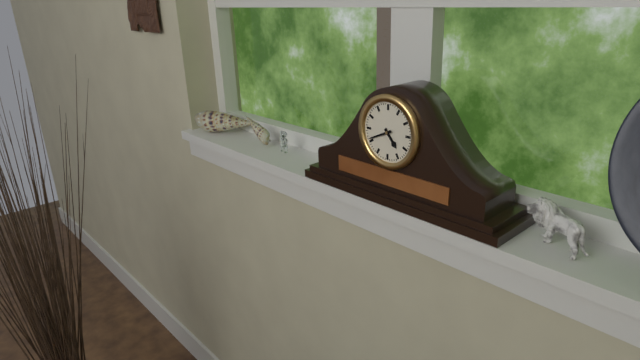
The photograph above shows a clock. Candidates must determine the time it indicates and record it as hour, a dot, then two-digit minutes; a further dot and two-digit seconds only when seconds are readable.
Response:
4.41
